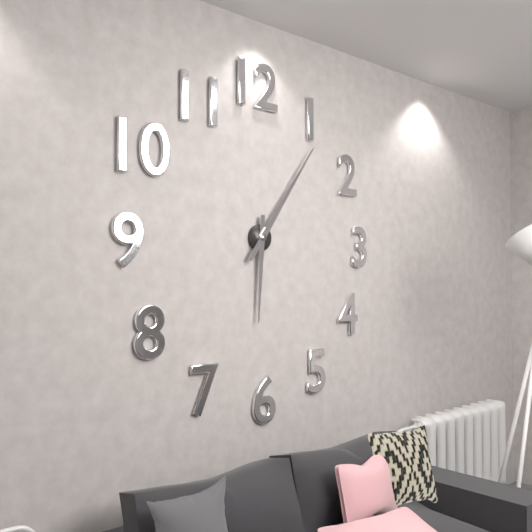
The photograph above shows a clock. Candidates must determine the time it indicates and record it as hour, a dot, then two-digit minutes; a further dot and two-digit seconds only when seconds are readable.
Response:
6.06
